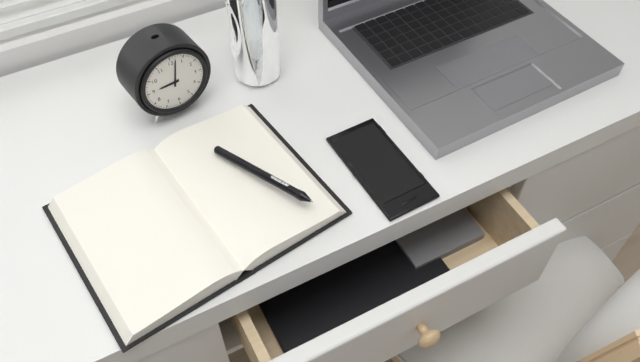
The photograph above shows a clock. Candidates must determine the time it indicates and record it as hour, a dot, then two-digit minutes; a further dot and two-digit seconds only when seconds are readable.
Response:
9.02
